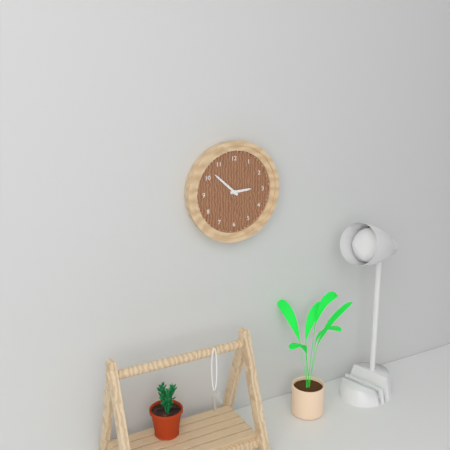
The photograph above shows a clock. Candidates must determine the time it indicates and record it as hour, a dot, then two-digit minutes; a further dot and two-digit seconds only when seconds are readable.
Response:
2.52
